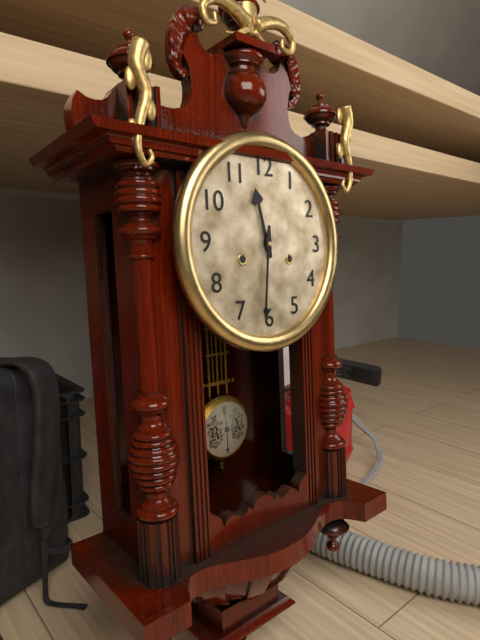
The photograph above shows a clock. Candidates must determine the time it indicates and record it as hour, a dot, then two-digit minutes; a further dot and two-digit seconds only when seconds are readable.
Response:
11.31
